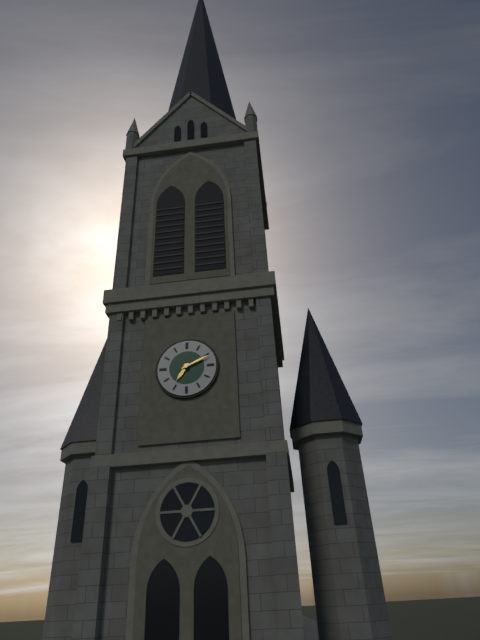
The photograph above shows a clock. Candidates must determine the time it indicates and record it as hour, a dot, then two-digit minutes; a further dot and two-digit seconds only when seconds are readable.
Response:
7.11
